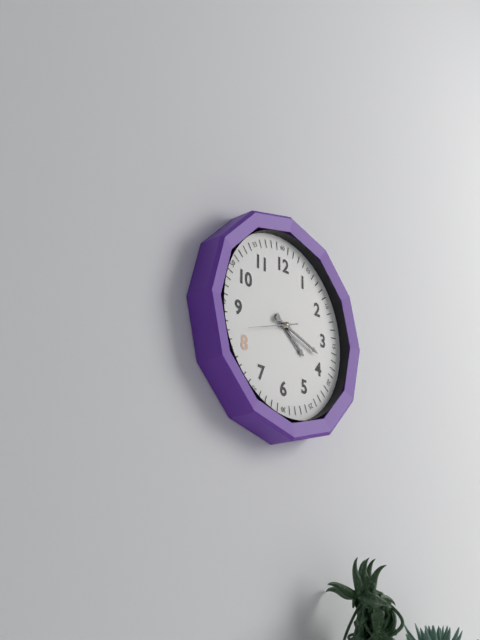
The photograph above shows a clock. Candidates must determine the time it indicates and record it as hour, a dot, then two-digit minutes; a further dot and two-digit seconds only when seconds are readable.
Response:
4.18
